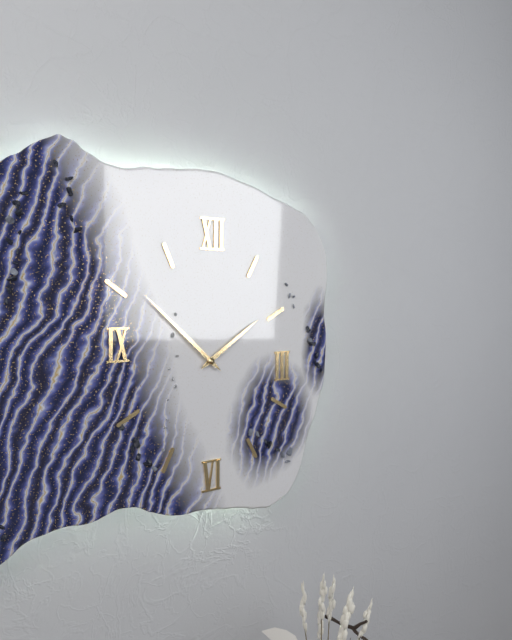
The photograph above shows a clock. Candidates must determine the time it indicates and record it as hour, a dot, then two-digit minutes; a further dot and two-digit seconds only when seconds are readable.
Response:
1.52
